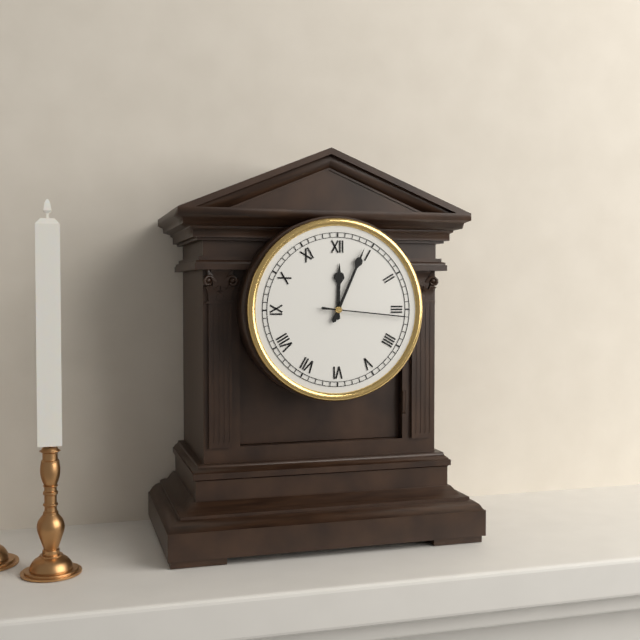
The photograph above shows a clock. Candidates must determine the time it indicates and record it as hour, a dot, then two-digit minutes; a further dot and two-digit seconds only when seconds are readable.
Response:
12.04.16
